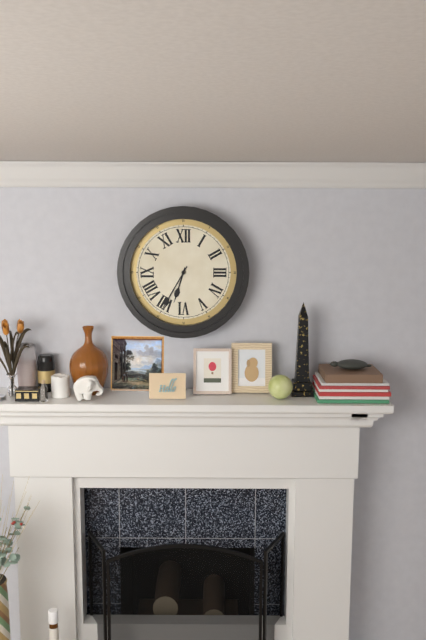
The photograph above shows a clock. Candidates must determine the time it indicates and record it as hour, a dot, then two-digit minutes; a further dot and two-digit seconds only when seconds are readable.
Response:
6.35
